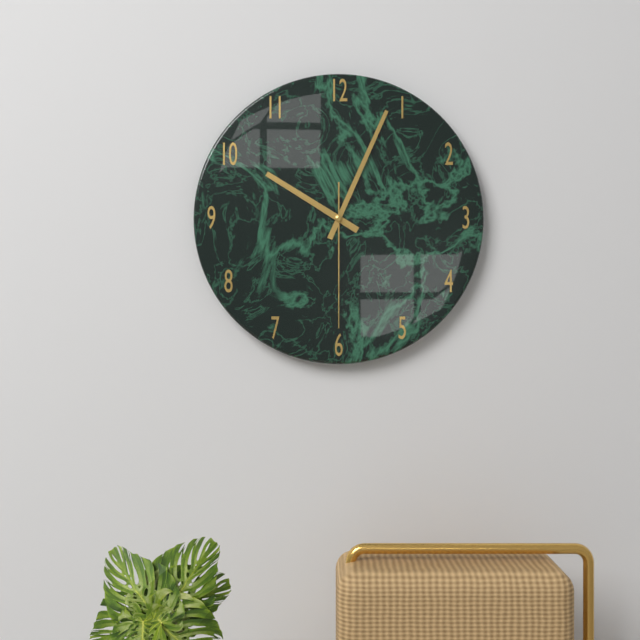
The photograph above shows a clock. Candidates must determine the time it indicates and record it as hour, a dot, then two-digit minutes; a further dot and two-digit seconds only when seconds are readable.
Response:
10.04.30
